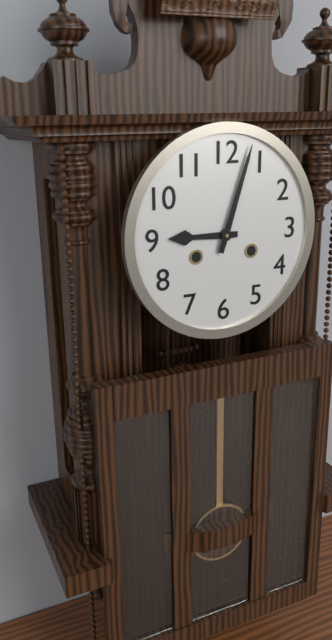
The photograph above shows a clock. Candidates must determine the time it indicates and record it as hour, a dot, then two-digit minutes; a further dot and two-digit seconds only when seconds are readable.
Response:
9.03
